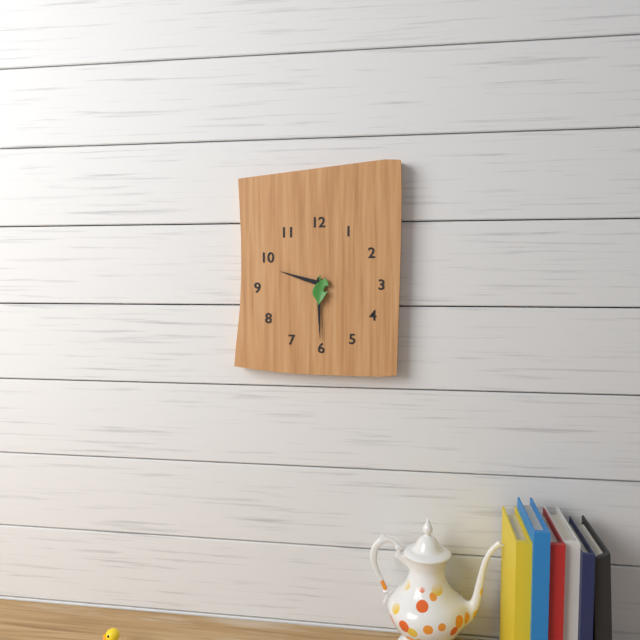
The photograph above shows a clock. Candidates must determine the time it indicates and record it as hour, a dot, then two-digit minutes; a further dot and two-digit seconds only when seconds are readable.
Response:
9.30
